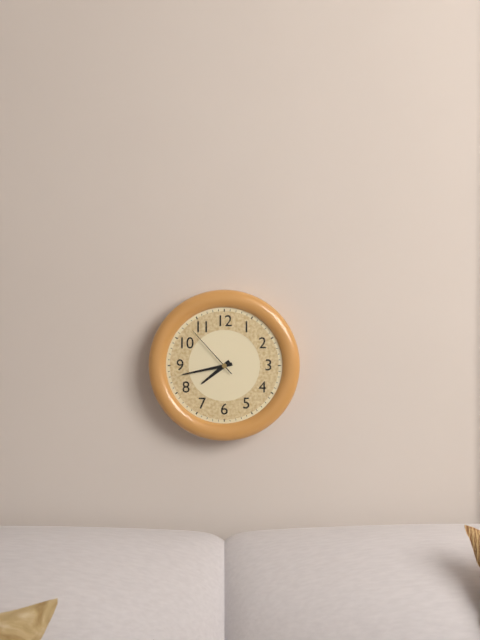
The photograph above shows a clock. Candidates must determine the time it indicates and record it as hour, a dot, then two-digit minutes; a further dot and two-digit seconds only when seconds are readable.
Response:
7.43.53
